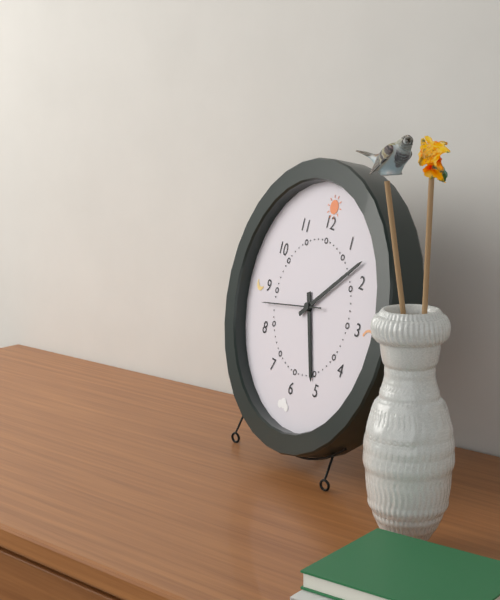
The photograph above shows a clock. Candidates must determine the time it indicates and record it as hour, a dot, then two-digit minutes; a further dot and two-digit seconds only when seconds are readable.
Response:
5.08.43
